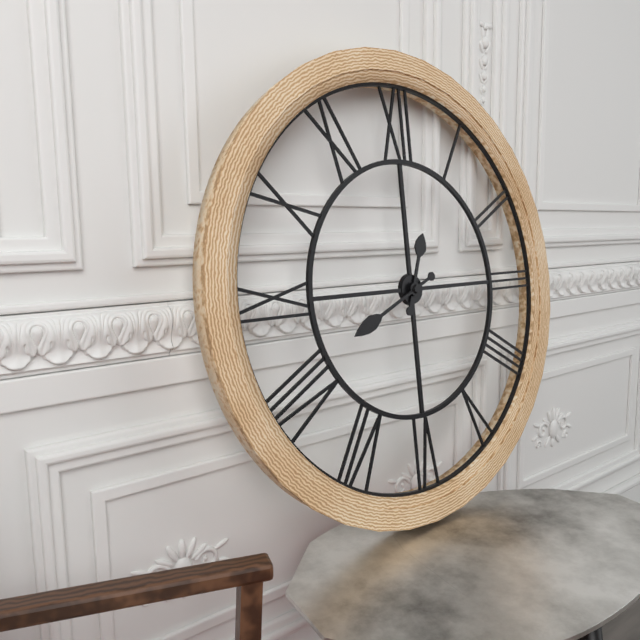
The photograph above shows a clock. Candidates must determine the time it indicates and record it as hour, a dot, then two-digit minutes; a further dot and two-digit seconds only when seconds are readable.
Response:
12.41
